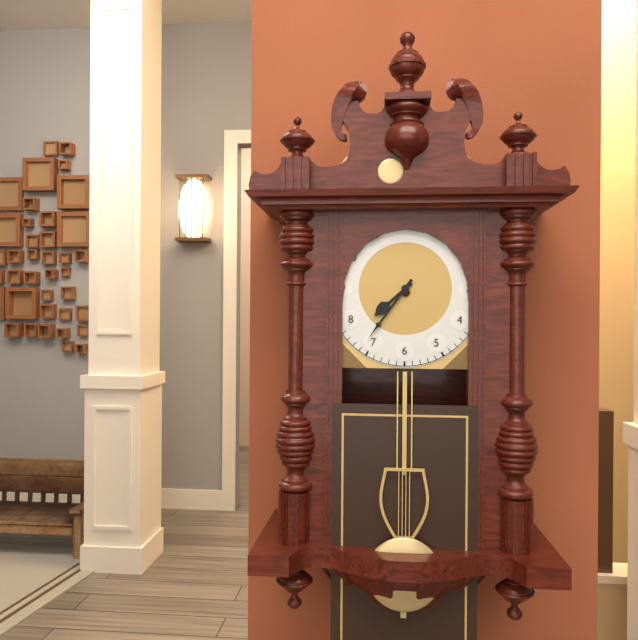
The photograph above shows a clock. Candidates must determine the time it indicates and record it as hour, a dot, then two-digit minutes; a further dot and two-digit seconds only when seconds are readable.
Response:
7.36
